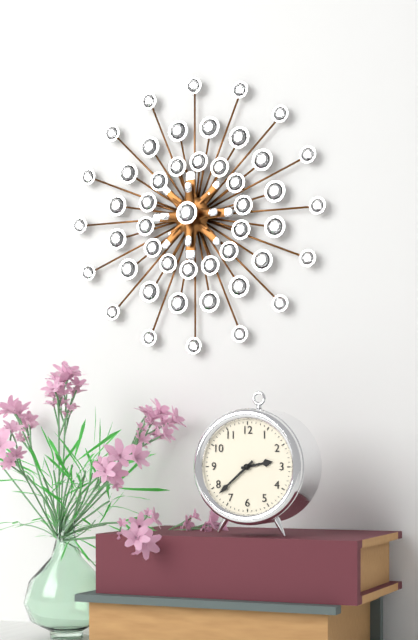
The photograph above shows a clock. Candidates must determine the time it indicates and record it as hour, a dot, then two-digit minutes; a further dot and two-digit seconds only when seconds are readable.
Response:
2.38
